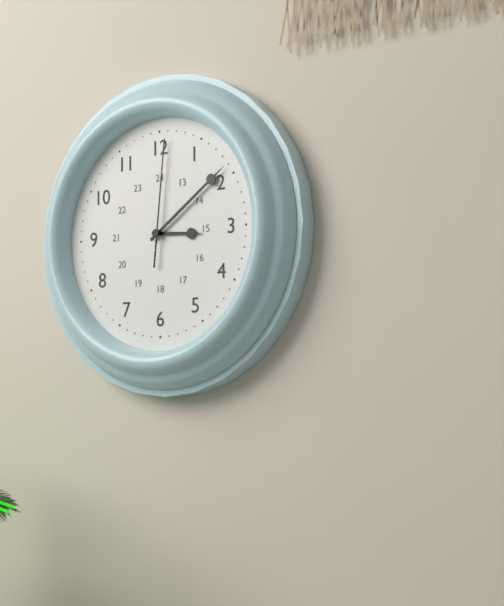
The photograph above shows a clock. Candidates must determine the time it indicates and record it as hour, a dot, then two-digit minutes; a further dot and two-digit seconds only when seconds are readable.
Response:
3.09.01
